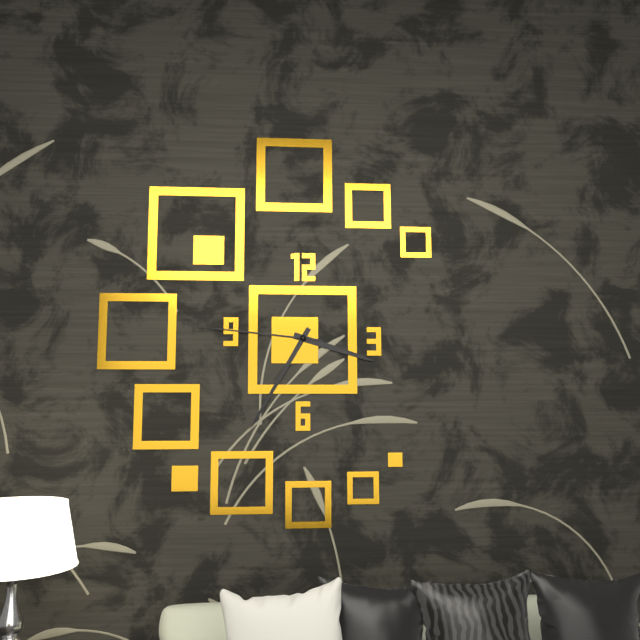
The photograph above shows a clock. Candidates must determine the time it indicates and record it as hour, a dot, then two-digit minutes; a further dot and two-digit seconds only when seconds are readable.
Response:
3.35.46
